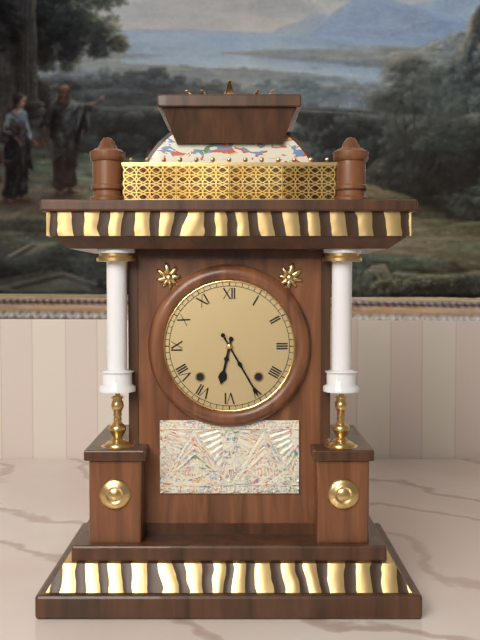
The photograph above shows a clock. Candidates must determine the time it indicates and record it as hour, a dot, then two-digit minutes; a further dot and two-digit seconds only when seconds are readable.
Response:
6.25
